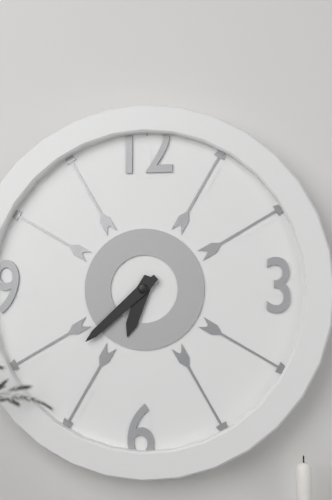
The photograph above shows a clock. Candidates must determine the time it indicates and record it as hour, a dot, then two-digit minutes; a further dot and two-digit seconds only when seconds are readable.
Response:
6.38
